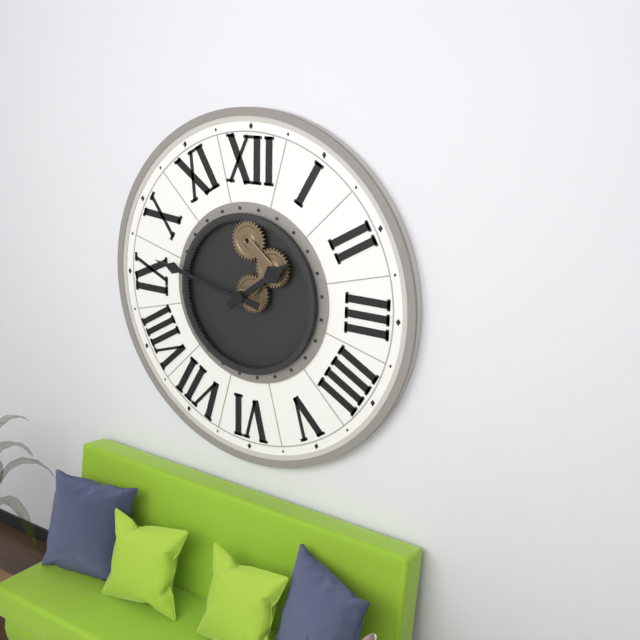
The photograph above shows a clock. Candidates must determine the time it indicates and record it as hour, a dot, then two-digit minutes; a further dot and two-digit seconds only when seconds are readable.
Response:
1.47
